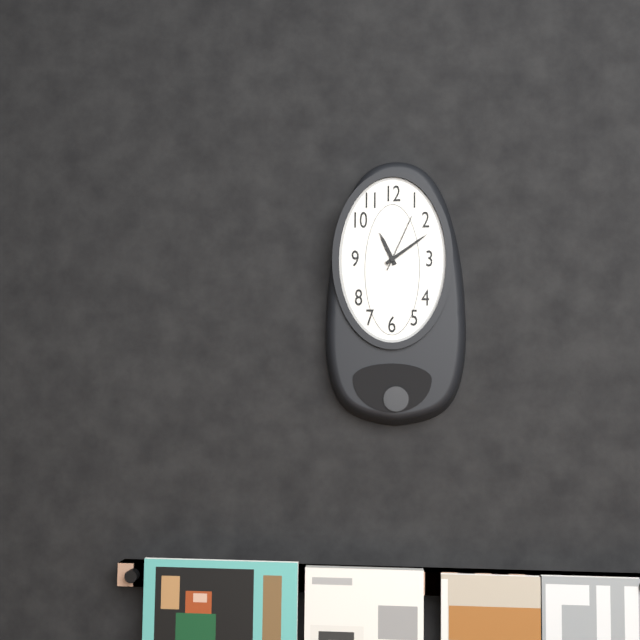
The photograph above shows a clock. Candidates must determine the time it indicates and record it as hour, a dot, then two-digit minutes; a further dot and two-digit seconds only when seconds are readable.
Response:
11.09.04
